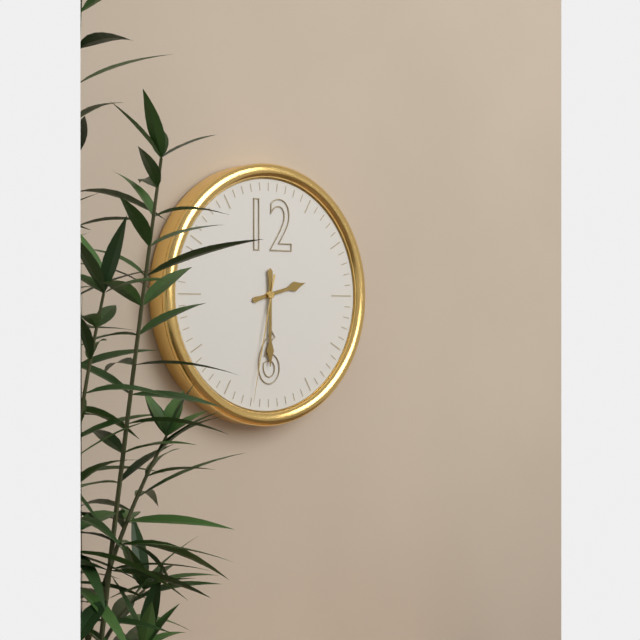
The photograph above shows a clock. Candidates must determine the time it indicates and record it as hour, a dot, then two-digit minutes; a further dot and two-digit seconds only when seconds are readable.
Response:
2.30.32
